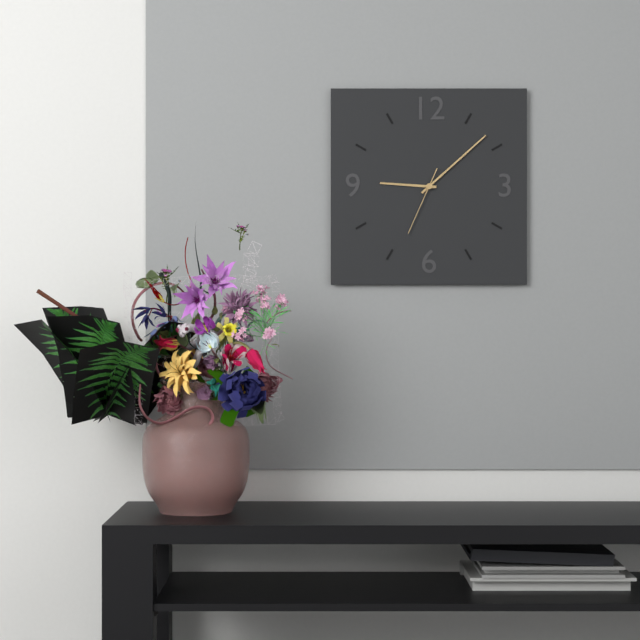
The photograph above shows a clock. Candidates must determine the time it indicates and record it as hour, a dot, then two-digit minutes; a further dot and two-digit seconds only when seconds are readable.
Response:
9.08.34
